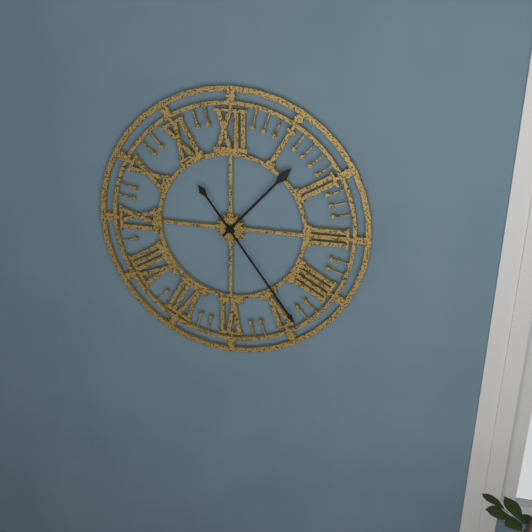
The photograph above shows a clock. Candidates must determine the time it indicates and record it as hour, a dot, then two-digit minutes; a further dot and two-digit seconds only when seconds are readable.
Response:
1.24
